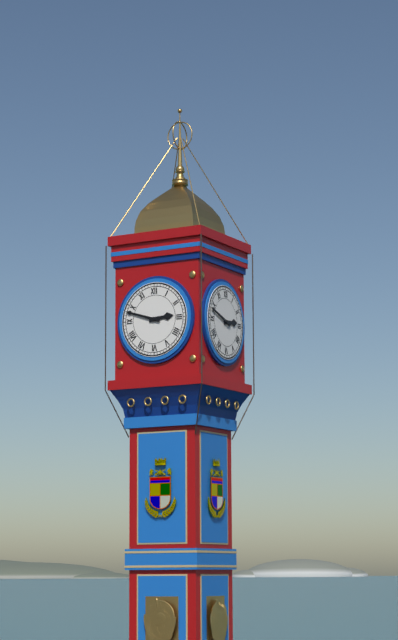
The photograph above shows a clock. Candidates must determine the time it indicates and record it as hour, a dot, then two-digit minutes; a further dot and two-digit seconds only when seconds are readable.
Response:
2.48
